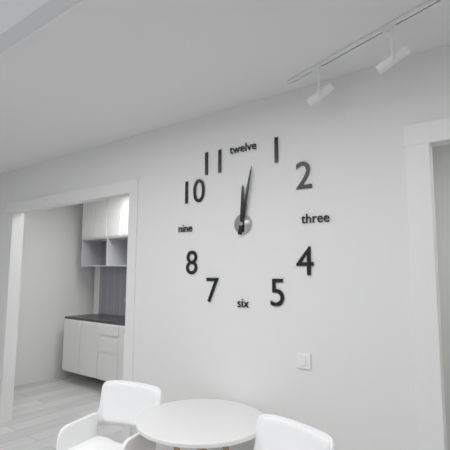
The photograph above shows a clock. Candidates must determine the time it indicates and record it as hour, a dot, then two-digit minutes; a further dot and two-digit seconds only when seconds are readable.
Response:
12.02
